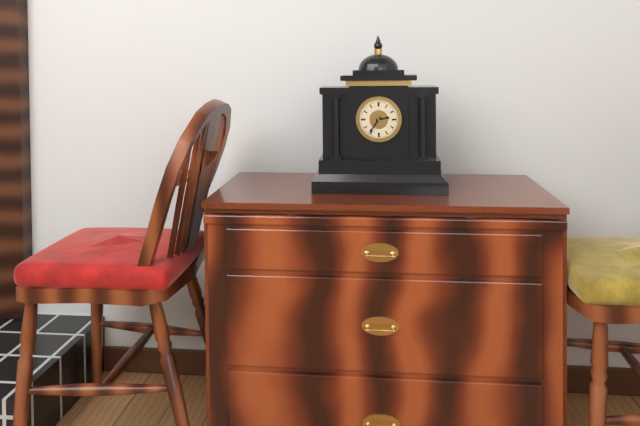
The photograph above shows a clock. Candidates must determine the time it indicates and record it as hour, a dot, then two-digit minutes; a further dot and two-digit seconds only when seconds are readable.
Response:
2.36
